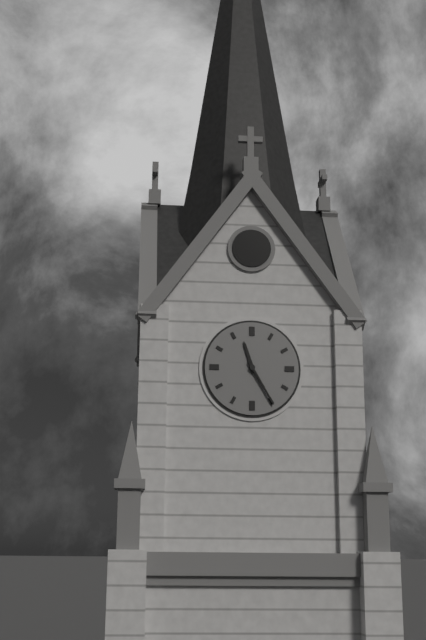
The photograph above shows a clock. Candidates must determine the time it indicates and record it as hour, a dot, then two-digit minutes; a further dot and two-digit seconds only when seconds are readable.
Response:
11.25
